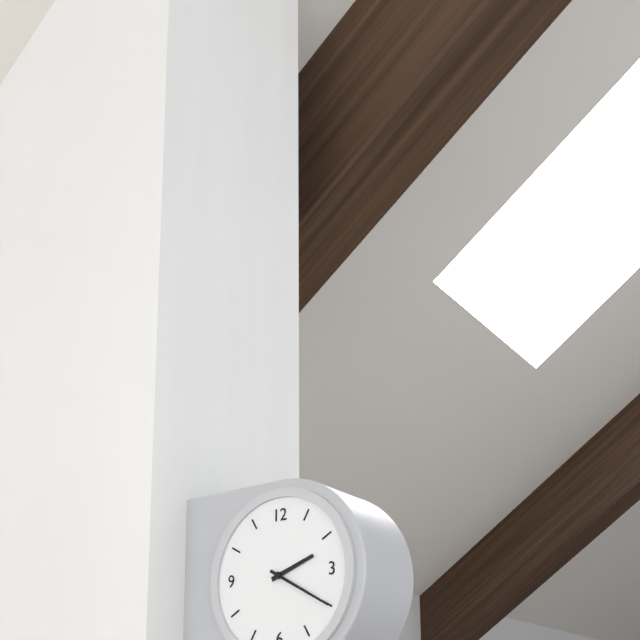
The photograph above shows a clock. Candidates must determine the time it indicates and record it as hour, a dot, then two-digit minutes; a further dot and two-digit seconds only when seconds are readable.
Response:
2.20
